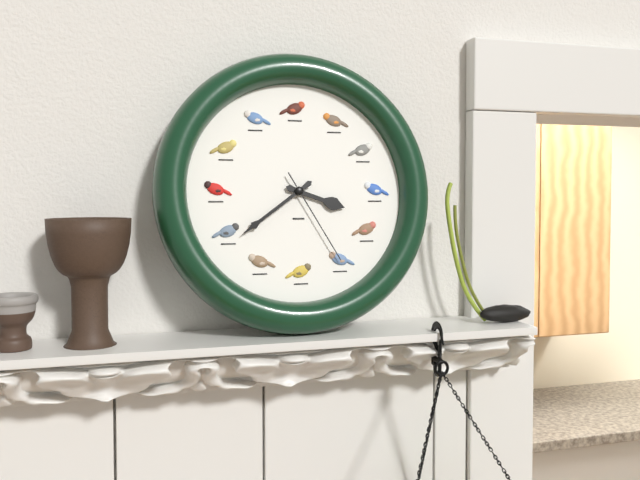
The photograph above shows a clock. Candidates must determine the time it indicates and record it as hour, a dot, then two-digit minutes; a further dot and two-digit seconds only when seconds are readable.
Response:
3.39.25
